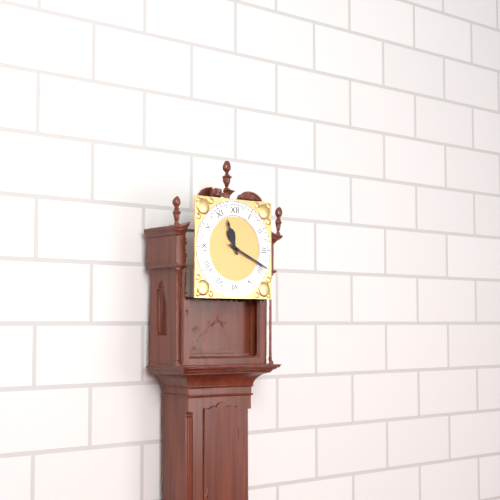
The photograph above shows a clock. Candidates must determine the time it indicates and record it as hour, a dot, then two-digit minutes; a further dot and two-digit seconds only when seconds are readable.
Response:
11.19
